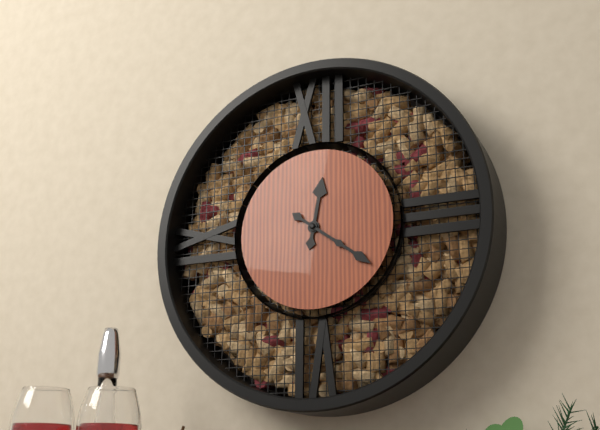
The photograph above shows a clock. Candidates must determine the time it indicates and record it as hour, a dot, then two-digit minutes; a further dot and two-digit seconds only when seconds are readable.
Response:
12.21
